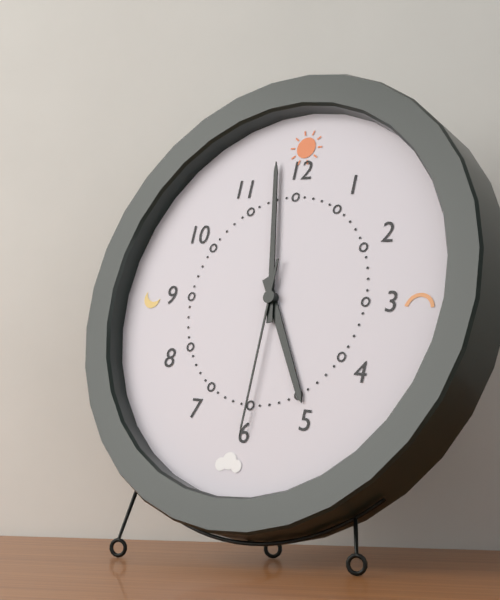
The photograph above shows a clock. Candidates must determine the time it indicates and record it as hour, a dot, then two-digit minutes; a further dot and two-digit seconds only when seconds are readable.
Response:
4.58.30
